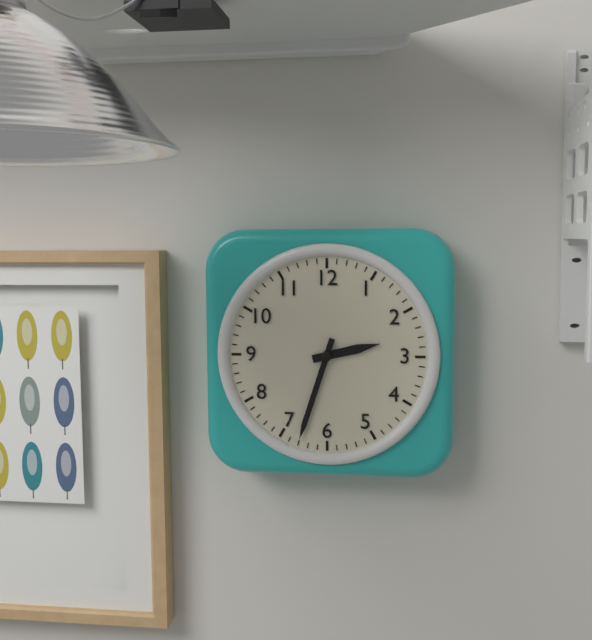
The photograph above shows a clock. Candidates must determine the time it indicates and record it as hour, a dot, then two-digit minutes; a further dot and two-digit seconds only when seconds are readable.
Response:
2.33
